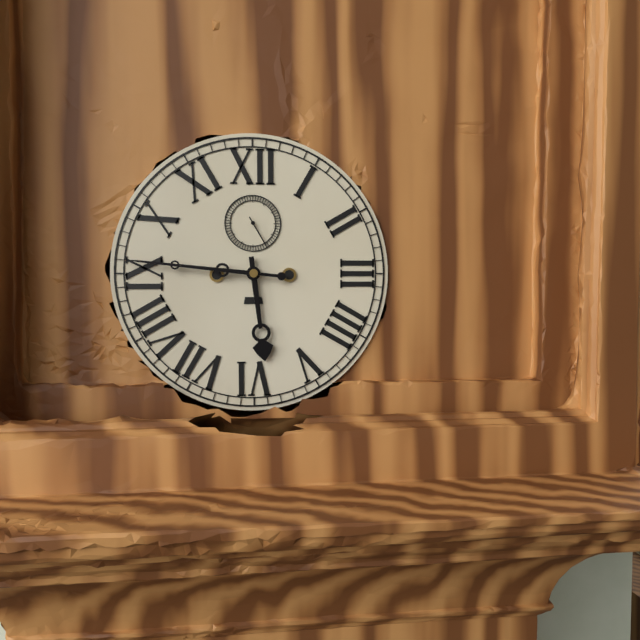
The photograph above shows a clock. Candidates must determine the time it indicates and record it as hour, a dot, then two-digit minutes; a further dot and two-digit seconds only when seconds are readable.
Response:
5.46
